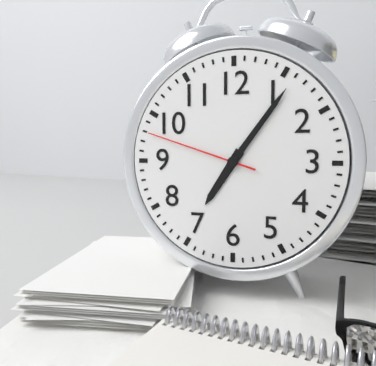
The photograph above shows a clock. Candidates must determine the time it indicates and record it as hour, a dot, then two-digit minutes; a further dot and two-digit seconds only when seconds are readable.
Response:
7.06.48
